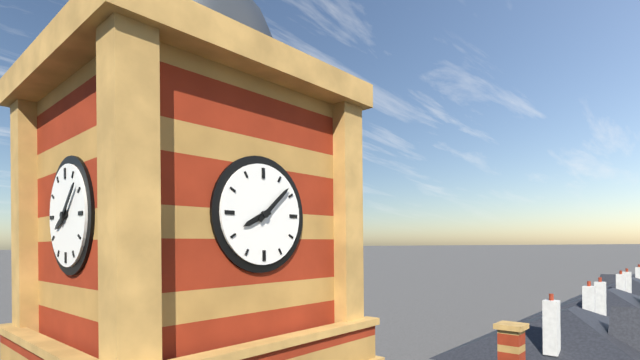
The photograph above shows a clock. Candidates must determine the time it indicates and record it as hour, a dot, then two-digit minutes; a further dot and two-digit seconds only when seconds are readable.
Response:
8.08
